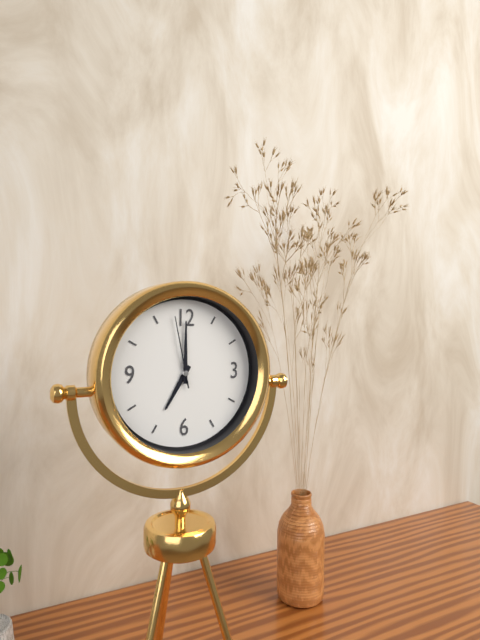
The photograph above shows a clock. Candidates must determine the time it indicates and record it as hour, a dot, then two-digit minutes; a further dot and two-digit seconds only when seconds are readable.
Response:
7.00.58
